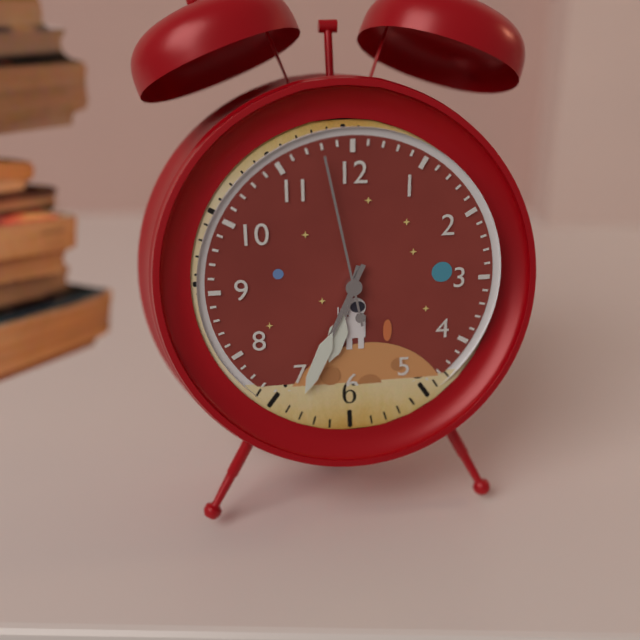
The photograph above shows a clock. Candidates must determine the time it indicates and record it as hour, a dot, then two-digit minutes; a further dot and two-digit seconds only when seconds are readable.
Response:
6.34.58
